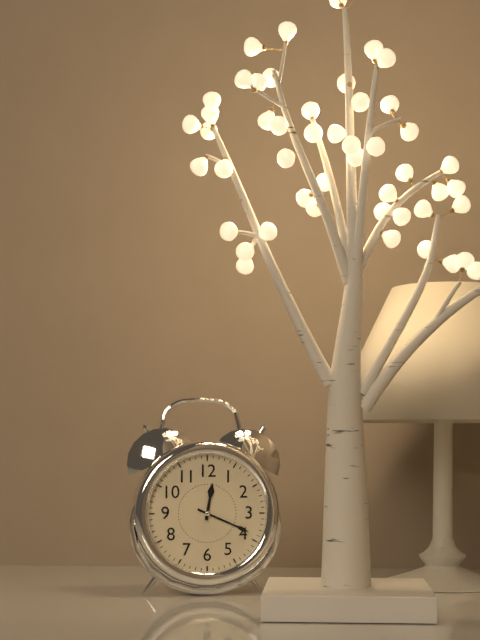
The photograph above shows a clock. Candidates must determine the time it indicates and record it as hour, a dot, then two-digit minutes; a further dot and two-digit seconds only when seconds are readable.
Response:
12.19
